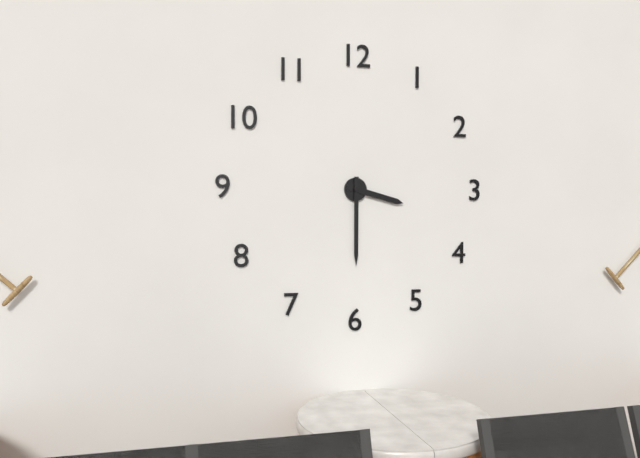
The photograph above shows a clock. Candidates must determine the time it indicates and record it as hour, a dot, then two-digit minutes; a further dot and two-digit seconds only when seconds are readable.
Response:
3.30
